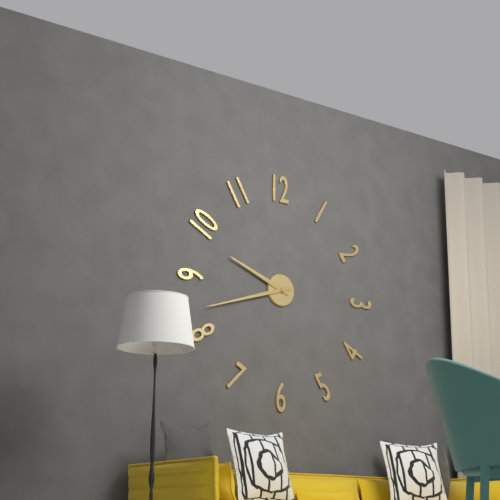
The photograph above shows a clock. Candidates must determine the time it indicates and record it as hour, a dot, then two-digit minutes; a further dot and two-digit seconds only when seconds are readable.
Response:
9.42
